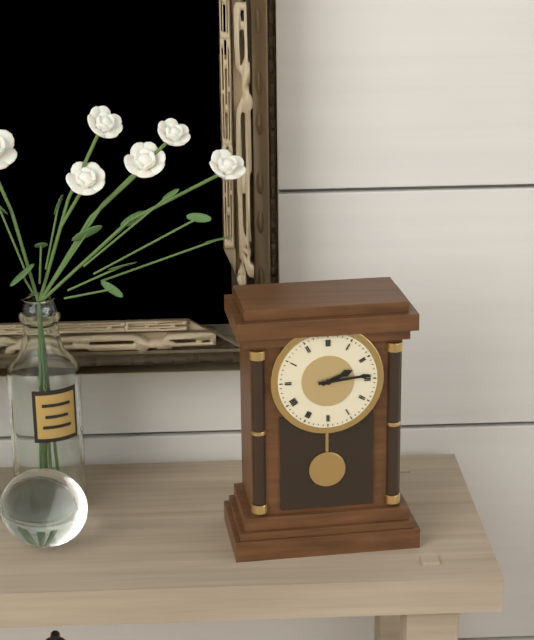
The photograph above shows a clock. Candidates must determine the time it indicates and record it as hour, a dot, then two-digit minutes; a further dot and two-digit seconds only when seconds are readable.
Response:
2.14
